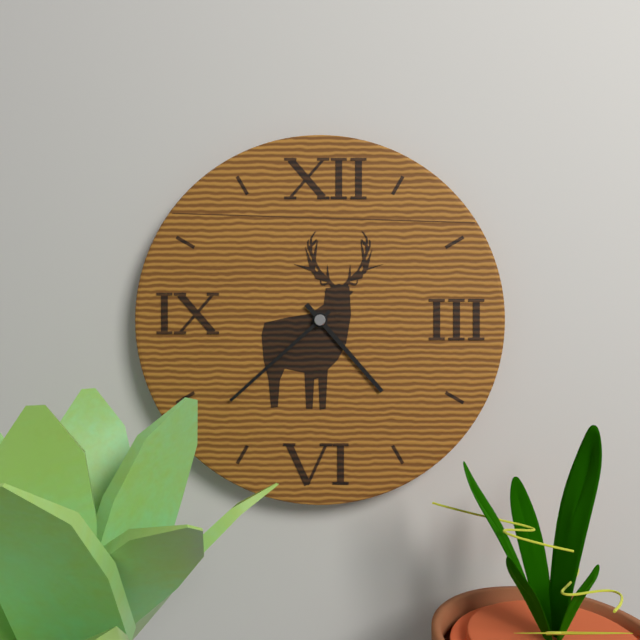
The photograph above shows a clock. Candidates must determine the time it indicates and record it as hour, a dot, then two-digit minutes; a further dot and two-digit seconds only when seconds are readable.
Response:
4.38
